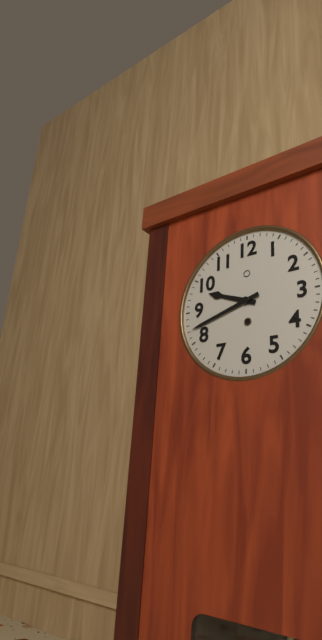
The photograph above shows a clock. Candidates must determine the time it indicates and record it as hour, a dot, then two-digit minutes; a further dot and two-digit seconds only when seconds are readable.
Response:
9.42
